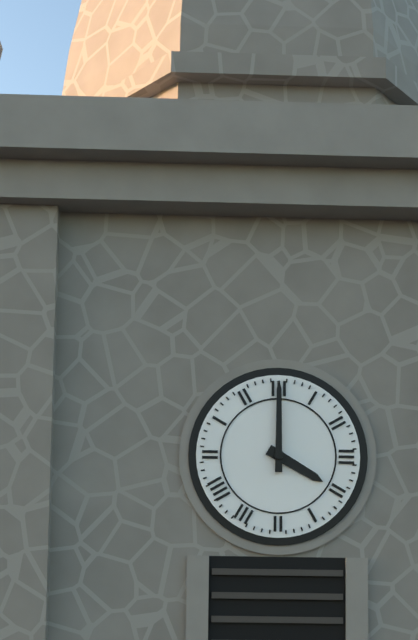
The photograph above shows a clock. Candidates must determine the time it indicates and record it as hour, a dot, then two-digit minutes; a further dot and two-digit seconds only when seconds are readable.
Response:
4.00
